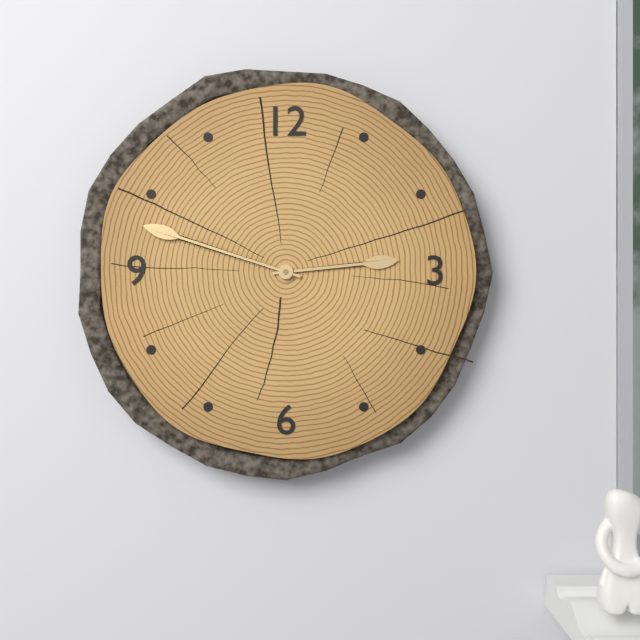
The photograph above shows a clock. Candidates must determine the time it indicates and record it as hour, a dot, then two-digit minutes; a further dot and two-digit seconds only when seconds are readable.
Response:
2.48
